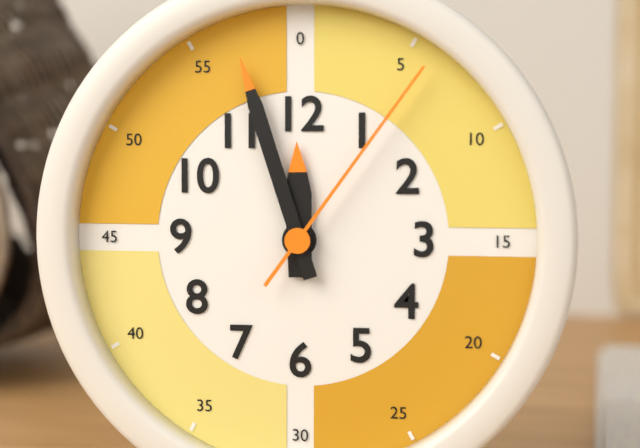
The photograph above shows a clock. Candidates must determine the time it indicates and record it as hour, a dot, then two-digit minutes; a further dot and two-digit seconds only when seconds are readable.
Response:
11.57.06
